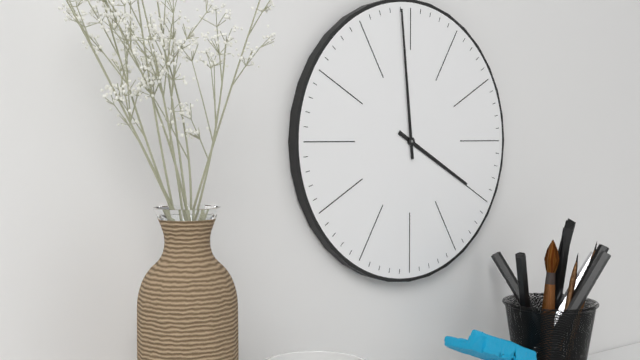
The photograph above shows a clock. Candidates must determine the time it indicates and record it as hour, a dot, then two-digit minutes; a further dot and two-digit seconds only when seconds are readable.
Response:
3.59
